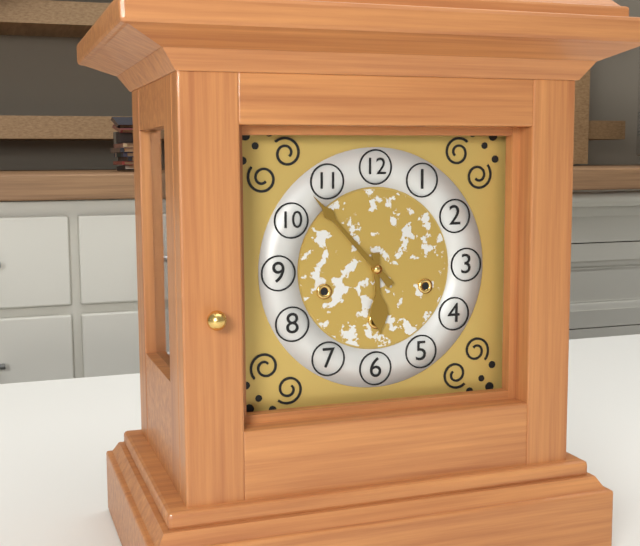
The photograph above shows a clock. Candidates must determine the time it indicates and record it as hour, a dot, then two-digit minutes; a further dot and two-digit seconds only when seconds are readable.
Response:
5.53
